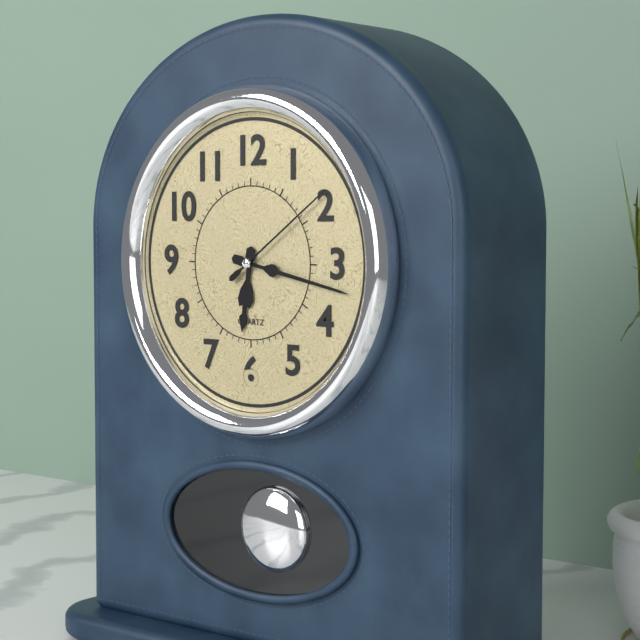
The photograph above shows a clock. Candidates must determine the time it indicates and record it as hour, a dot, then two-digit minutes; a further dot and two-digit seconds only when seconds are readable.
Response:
6.17.09
